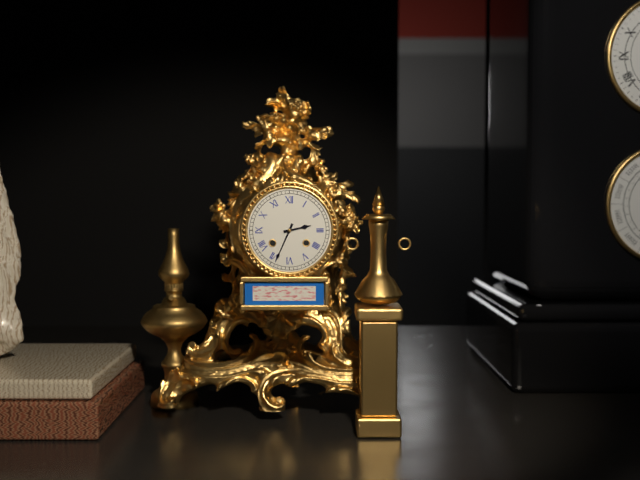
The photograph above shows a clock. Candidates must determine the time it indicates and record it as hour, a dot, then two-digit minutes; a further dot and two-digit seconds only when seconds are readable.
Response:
2.34
